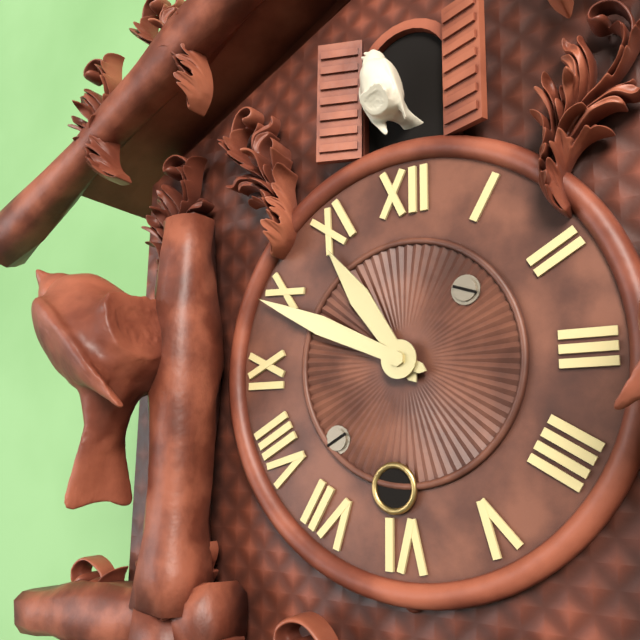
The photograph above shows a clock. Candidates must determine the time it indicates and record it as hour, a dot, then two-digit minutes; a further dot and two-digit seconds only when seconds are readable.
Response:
10.49
